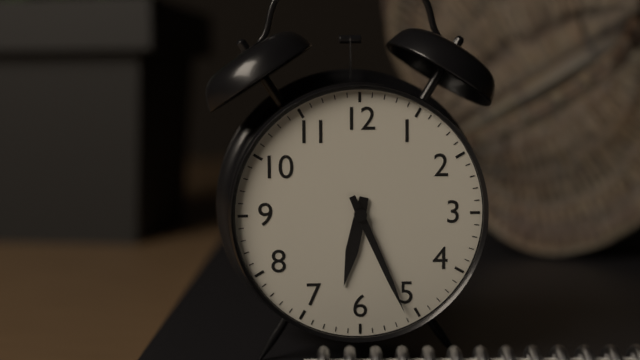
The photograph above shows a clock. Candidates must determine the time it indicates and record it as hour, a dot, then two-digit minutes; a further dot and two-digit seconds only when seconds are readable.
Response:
6.26
